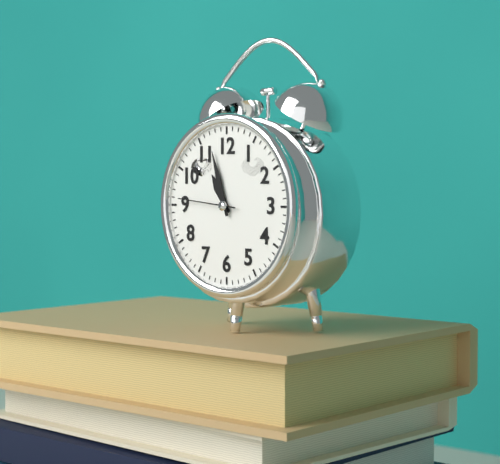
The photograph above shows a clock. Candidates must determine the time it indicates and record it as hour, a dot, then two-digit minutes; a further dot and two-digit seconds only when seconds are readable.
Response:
10.57.46
